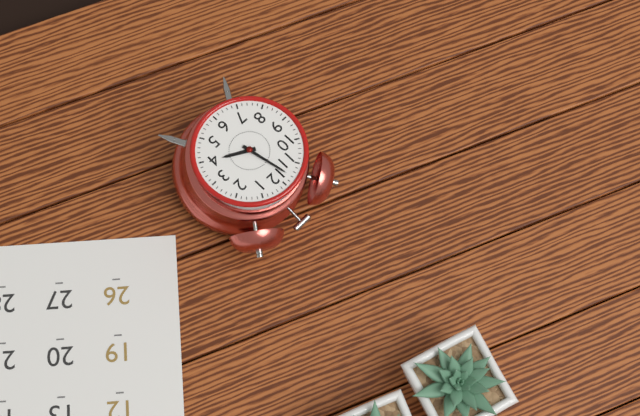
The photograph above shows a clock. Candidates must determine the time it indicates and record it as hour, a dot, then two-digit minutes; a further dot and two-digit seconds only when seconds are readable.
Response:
3.58
